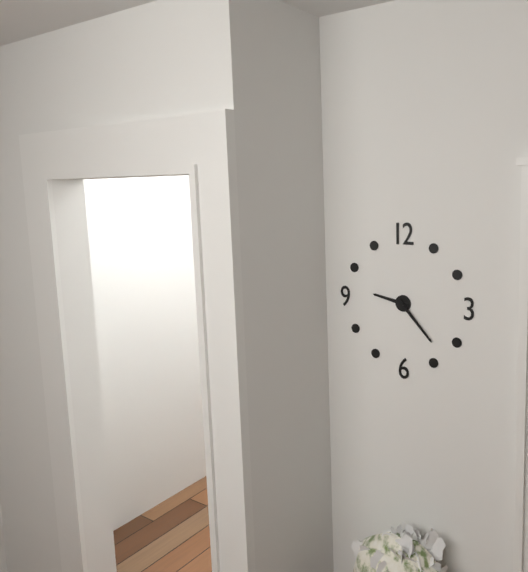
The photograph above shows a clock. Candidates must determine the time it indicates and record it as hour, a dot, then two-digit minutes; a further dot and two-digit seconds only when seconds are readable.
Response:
9.23
